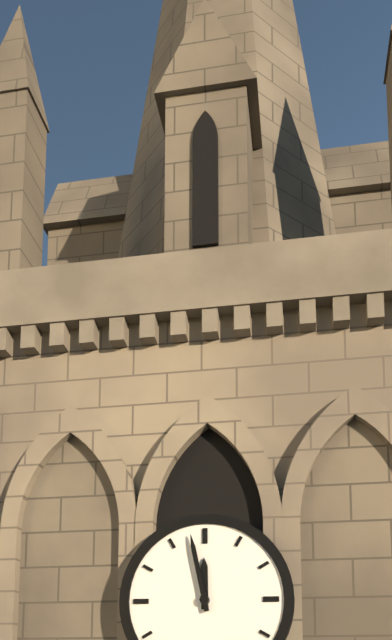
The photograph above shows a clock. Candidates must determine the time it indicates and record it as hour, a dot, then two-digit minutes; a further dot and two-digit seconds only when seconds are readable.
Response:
11.58
